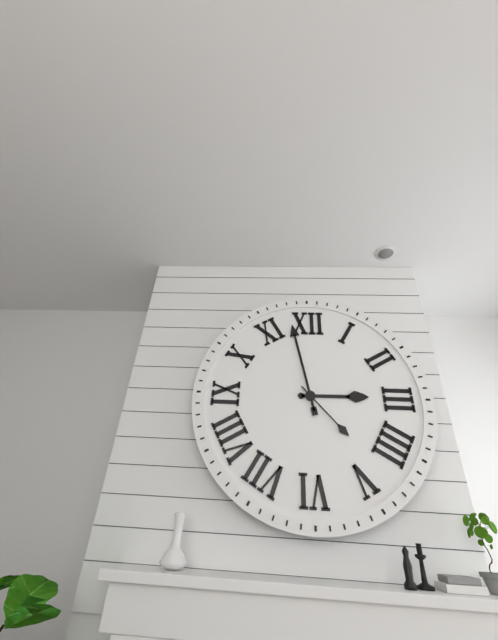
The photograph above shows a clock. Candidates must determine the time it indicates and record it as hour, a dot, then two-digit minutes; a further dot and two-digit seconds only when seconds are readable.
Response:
2.58.23
